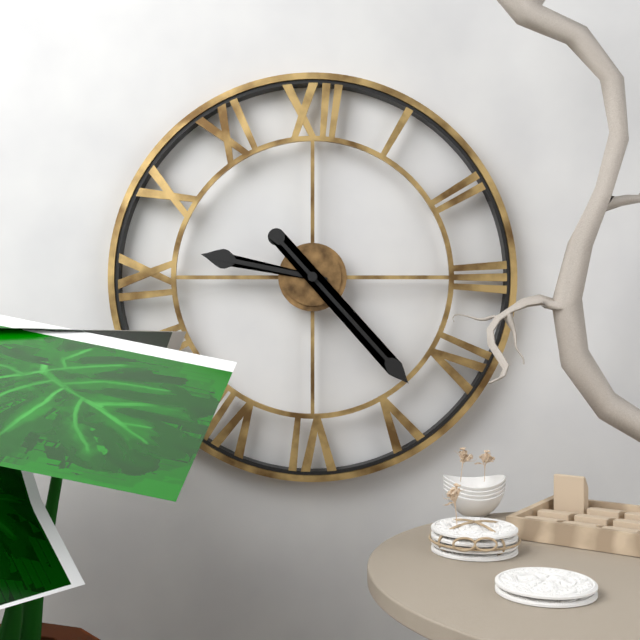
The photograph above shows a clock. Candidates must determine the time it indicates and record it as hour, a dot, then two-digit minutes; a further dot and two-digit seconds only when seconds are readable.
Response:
9.23
